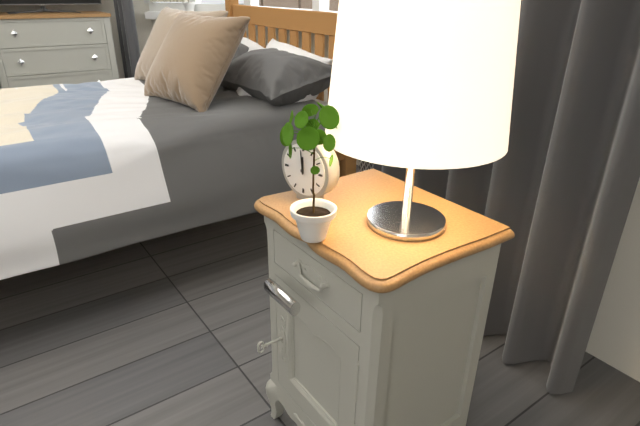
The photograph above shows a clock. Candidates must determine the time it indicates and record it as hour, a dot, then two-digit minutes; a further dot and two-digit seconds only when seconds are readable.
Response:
11.59
